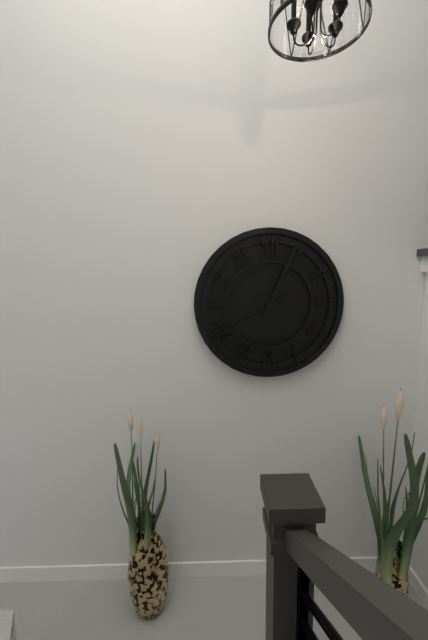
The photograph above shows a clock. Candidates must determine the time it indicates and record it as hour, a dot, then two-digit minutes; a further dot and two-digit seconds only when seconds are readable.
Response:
1.04.40
